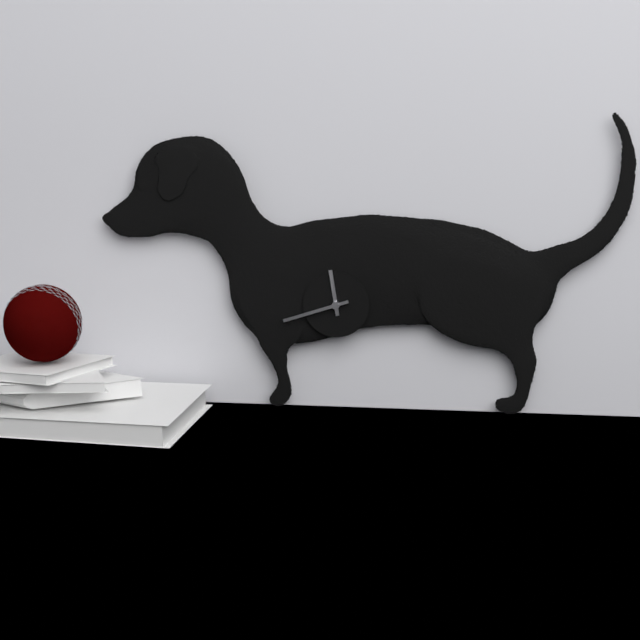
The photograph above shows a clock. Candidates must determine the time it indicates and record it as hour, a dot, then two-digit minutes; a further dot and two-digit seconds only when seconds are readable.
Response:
11.42
